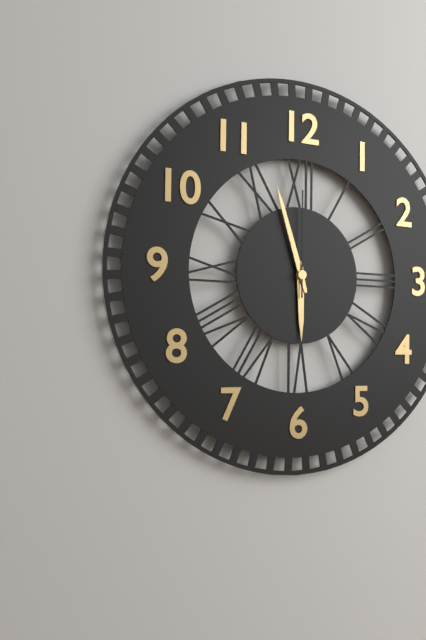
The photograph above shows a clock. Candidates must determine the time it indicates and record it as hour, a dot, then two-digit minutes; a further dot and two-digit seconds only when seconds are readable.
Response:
5.57.00
